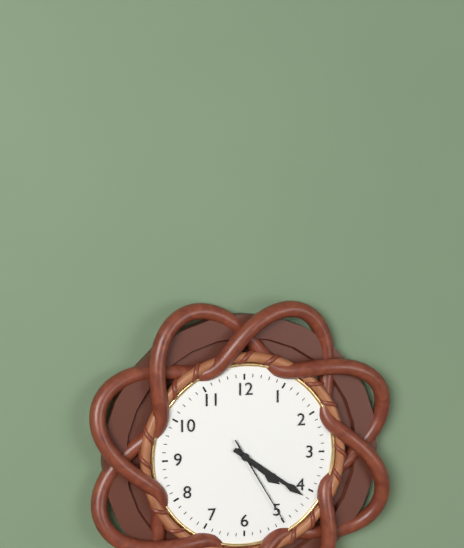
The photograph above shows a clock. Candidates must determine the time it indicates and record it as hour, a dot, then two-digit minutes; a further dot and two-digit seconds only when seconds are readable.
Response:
4.21.25
